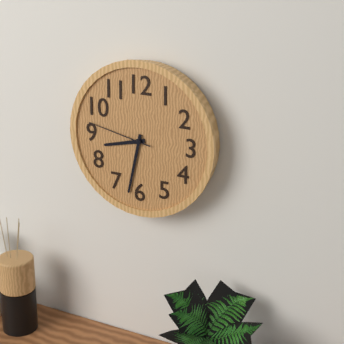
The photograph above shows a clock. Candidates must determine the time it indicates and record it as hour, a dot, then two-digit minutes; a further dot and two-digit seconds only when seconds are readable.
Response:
8.32.47
